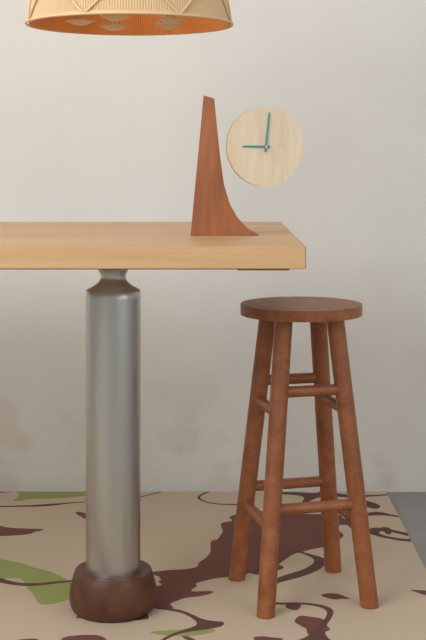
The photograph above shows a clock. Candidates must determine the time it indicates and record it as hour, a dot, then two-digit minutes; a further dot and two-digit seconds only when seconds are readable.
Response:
9.01
